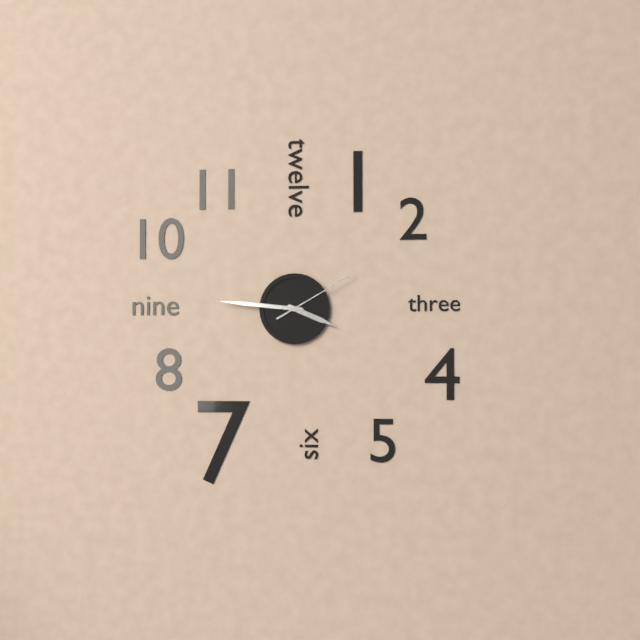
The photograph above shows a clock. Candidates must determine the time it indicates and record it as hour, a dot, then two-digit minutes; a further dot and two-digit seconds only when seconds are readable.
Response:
3.46.10
